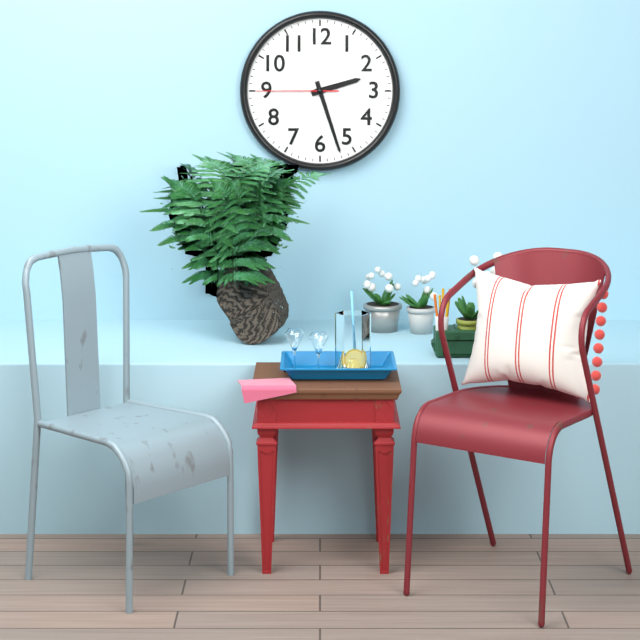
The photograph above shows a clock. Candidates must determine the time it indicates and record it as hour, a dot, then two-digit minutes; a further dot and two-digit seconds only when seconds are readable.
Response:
2.27.45
